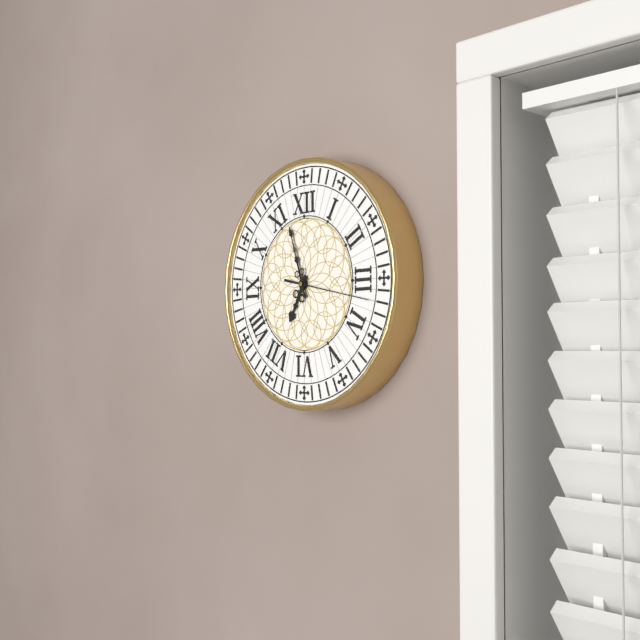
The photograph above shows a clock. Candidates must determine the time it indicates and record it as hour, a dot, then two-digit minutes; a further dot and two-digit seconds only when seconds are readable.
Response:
6.57.17
